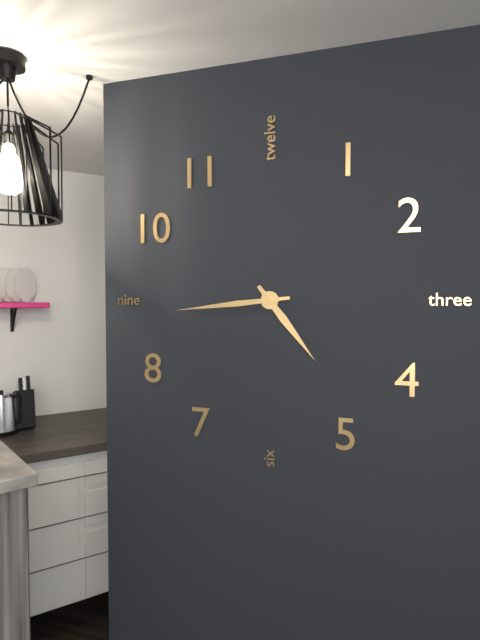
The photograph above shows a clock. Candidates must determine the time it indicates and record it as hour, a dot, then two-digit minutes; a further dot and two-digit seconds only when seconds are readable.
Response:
4.44
